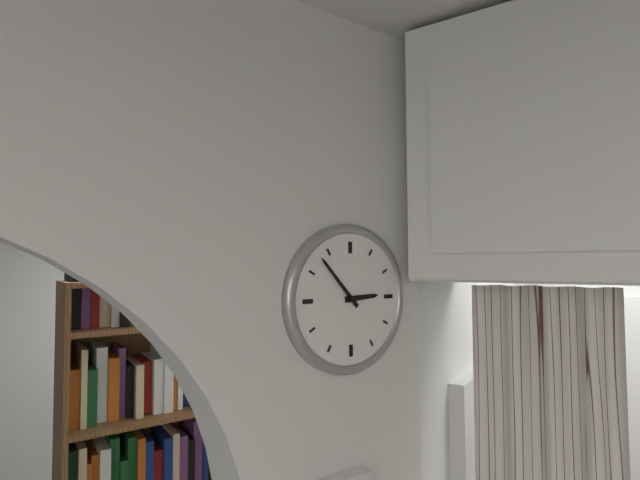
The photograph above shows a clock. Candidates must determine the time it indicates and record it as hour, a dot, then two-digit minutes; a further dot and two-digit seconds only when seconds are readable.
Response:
2.53
